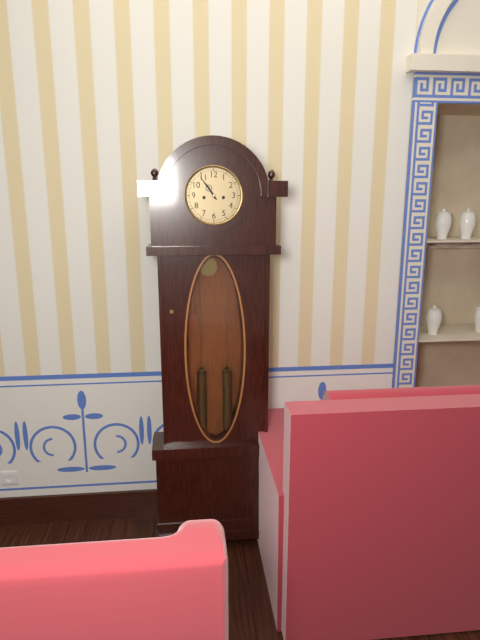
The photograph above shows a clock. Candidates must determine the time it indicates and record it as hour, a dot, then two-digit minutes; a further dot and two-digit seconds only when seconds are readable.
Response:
10.54
